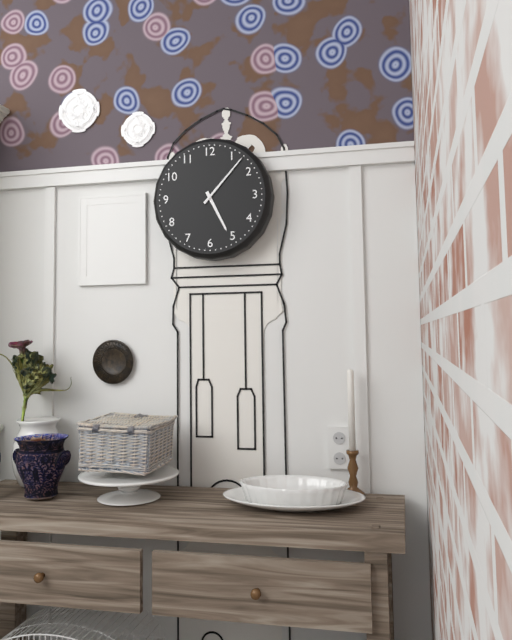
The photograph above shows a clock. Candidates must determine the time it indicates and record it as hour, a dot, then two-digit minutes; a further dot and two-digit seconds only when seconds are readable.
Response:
5.07
